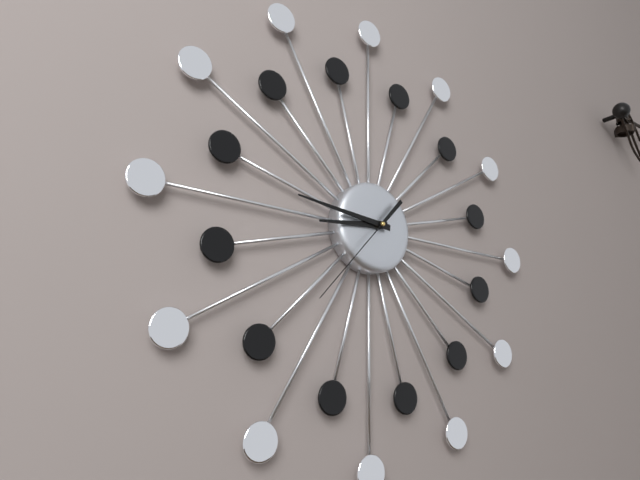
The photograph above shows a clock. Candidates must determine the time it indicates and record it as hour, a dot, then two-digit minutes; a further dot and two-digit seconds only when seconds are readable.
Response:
8.46.37
